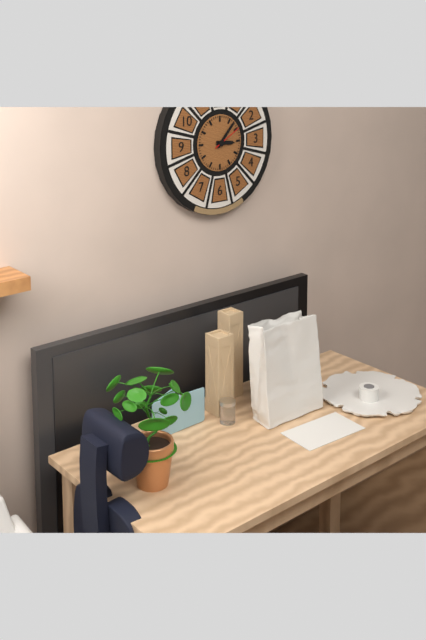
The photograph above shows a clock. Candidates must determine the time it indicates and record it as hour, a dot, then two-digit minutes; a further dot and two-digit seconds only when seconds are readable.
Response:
3.07
